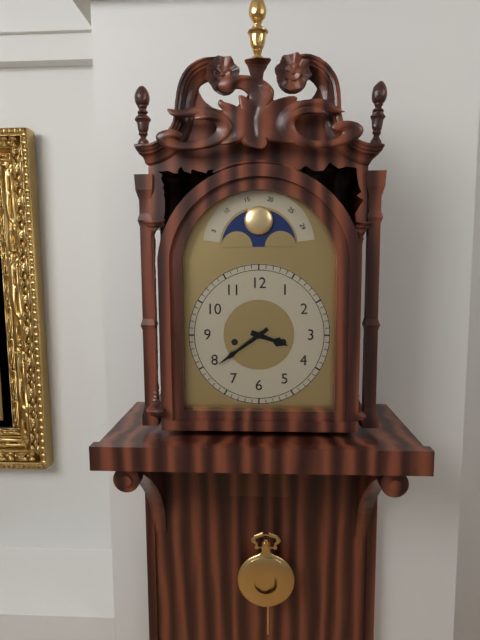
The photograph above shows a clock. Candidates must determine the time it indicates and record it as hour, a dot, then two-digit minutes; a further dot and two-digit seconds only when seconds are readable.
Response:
3.39
